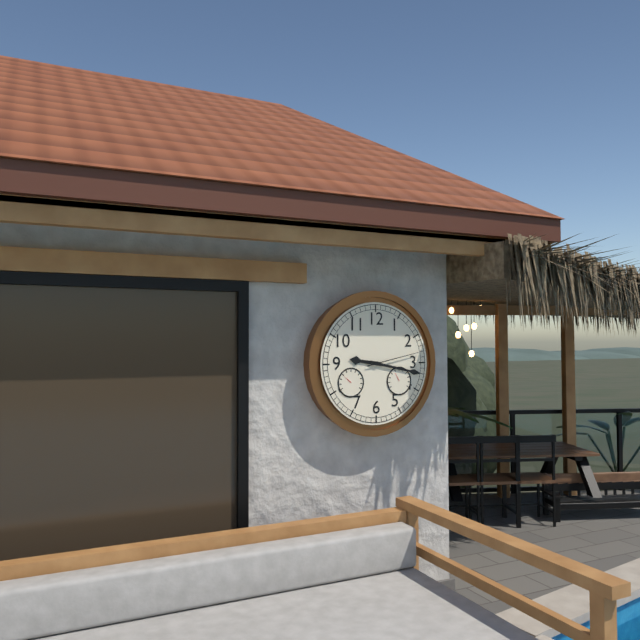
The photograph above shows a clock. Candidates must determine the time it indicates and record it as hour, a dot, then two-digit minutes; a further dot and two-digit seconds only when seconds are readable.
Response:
9.17.13
